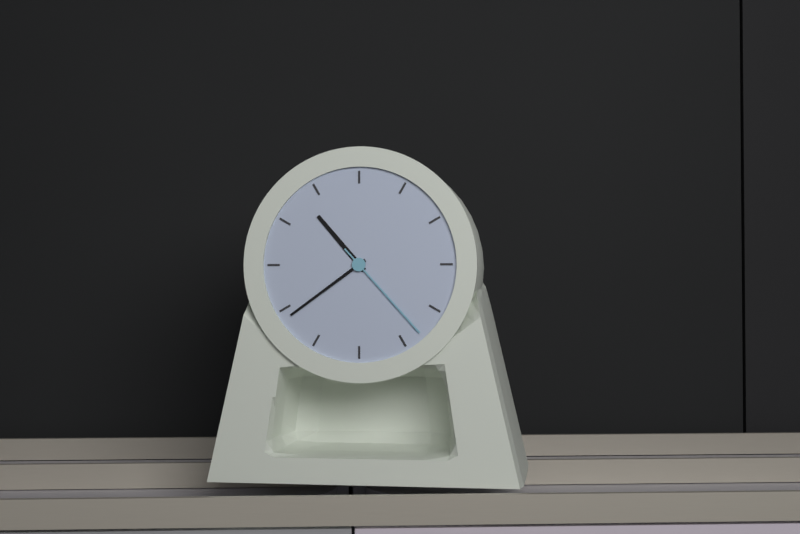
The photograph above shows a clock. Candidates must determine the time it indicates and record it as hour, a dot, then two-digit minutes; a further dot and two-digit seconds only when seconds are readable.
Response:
10.39.23
